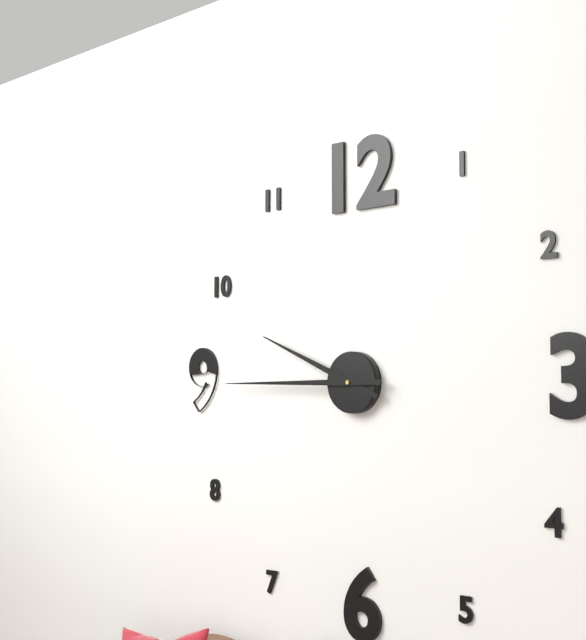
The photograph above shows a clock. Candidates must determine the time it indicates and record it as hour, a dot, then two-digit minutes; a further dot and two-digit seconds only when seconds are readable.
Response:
9.45
